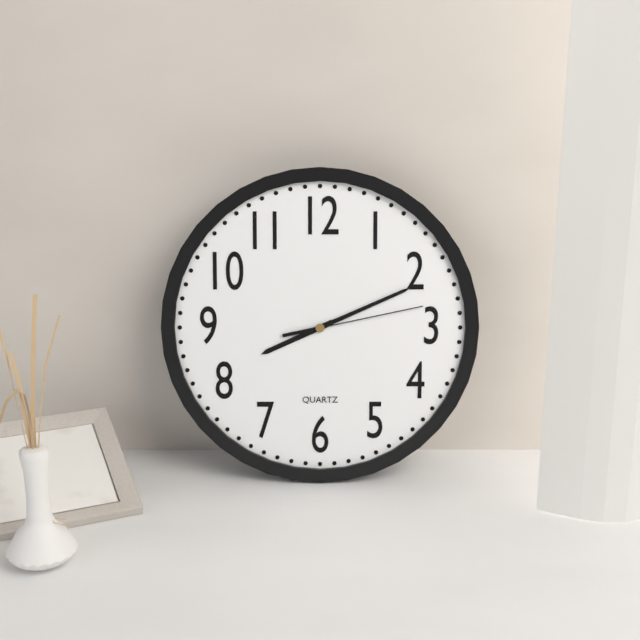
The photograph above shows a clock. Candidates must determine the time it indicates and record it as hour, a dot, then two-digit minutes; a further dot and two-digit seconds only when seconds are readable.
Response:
8.11.13
